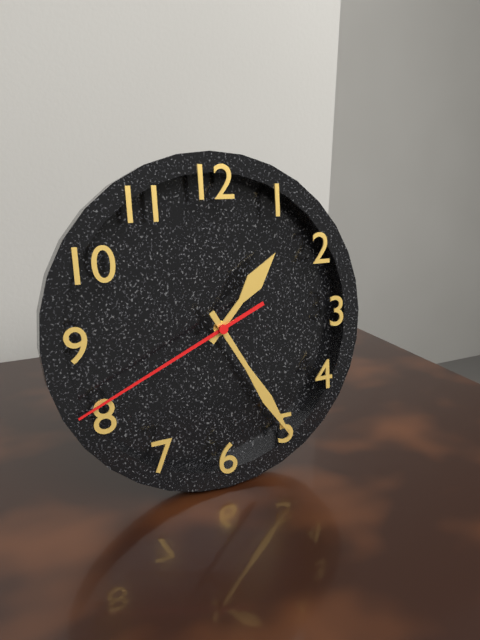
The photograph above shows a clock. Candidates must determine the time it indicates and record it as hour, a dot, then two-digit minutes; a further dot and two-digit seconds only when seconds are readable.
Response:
1.25.41
